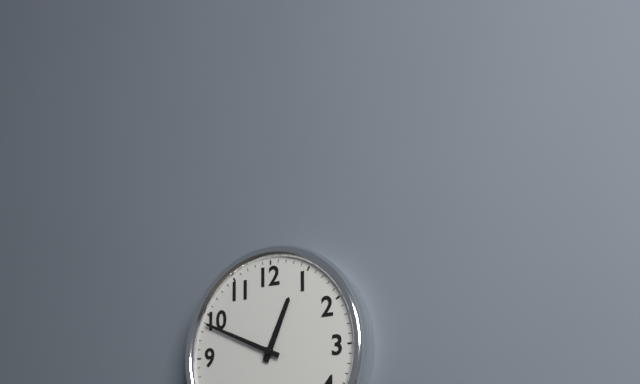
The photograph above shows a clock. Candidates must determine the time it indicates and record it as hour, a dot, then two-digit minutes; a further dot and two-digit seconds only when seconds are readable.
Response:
12.49
